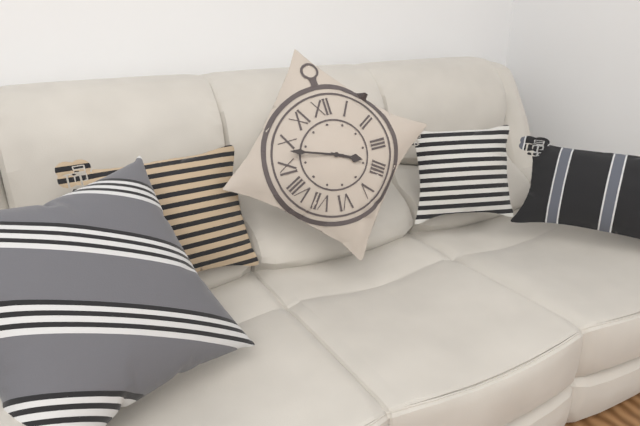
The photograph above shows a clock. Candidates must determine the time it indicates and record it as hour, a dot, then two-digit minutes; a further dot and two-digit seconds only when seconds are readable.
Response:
3.48
